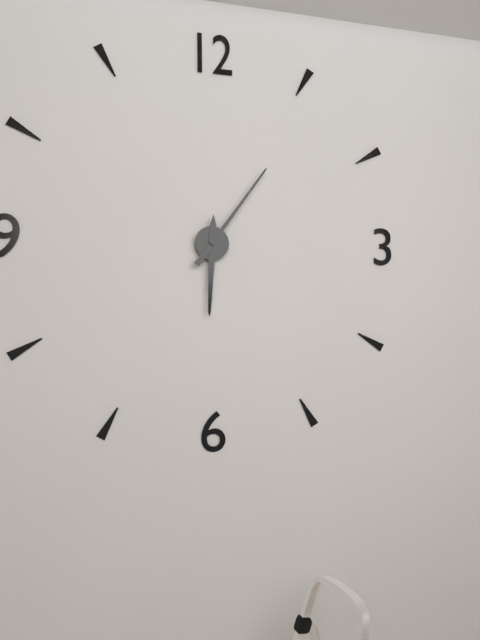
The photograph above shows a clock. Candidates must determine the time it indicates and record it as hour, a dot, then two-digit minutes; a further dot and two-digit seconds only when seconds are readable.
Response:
6.06
